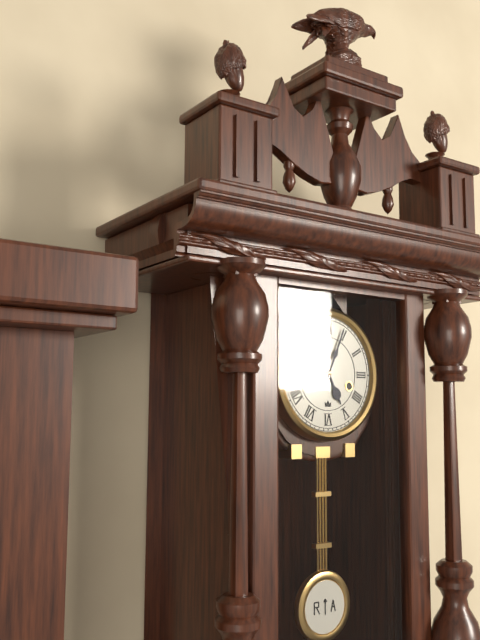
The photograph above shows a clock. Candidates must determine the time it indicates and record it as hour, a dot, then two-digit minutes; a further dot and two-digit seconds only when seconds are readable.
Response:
5.04
